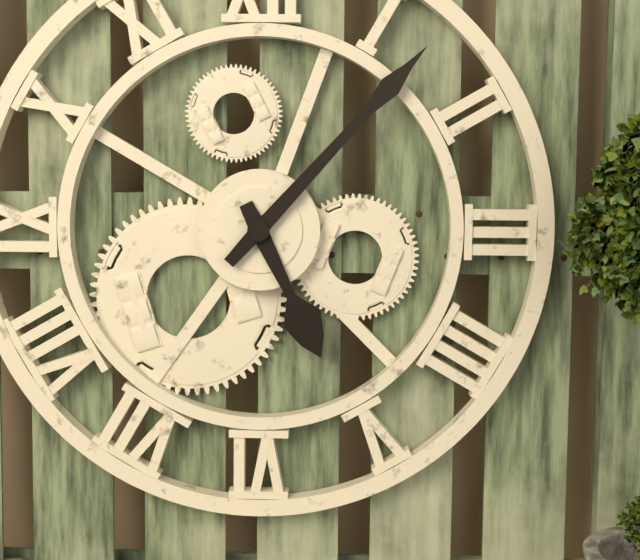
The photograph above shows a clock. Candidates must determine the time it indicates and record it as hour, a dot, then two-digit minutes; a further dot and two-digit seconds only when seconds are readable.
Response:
5.07
